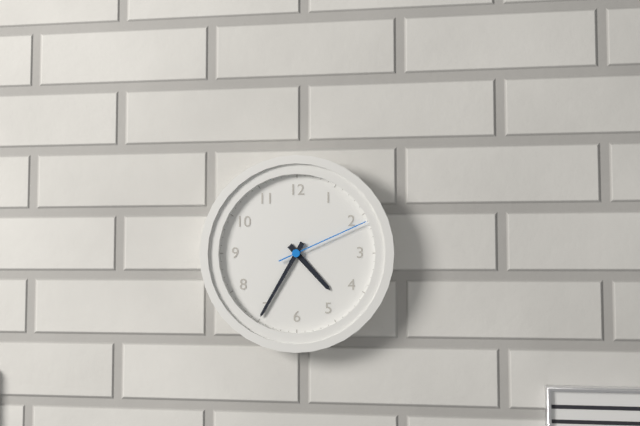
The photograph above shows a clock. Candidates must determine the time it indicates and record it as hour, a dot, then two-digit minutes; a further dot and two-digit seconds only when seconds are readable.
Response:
4.35.11
